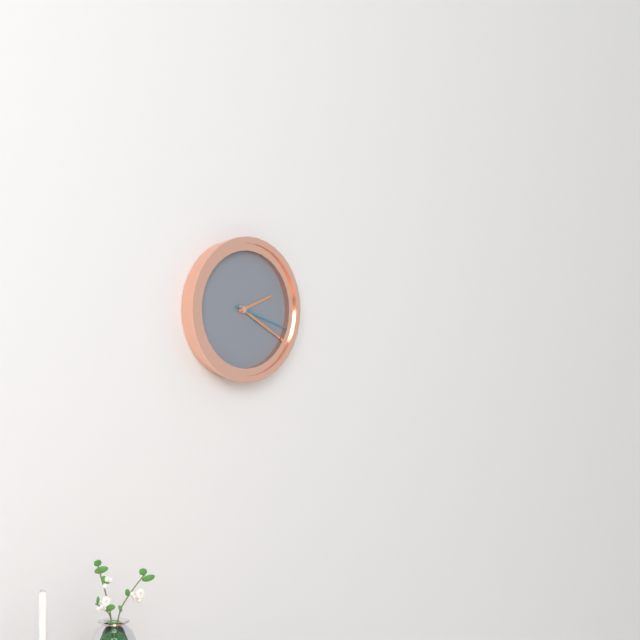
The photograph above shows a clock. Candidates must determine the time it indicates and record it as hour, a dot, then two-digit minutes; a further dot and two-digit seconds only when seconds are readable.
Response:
2.20.18
